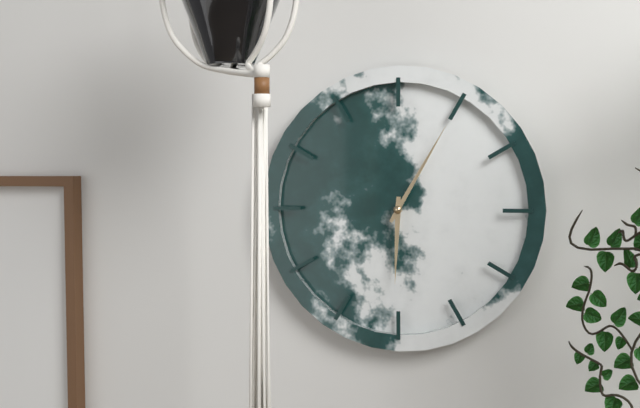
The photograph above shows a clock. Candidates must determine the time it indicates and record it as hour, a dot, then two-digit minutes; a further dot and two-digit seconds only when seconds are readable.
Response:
6.05
